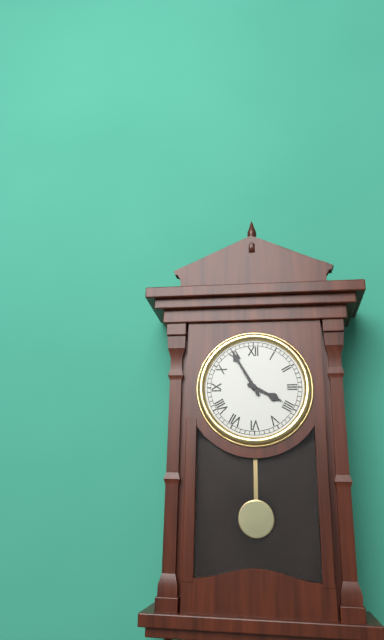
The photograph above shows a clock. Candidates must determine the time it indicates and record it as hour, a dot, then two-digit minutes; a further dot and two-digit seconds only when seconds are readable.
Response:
3.55
